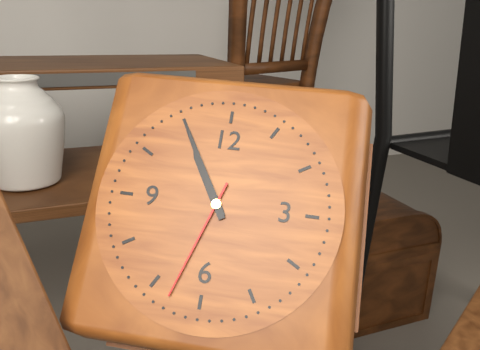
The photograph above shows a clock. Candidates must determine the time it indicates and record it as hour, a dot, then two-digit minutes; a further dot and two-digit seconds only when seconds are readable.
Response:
10.55.33
